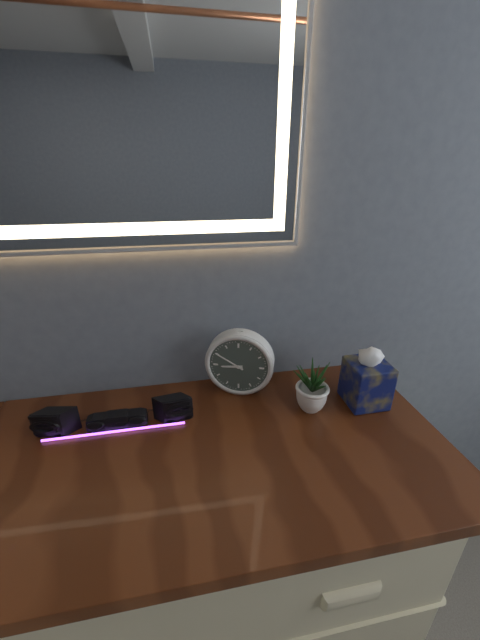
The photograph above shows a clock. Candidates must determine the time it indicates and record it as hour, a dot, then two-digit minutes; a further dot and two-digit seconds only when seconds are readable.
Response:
8.50
